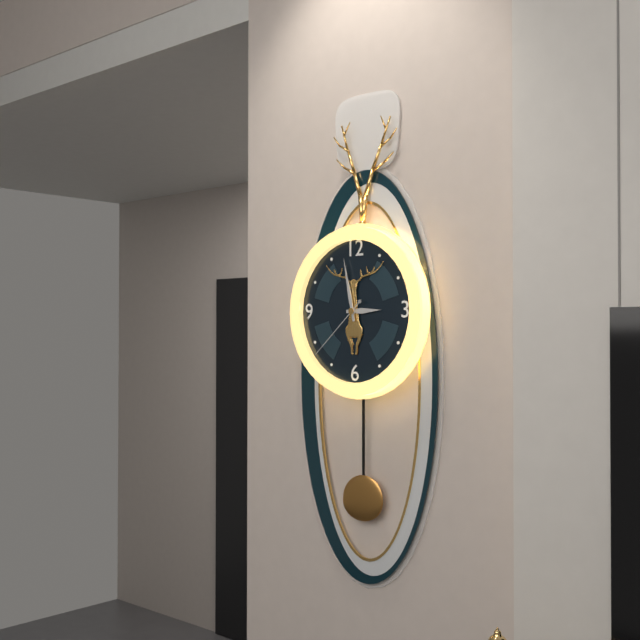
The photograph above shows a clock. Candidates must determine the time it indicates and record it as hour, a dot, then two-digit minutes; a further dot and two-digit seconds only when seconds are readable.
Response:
2.58.38
